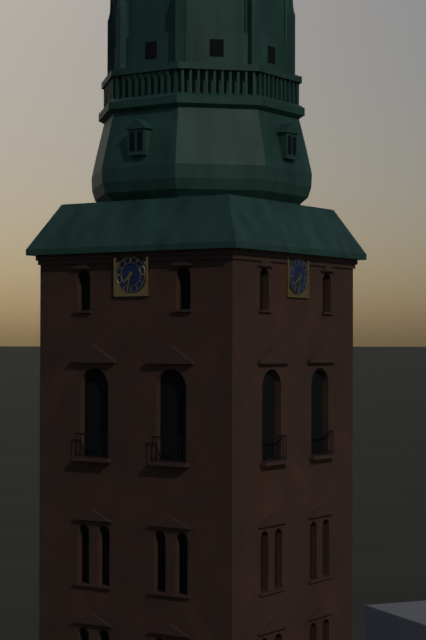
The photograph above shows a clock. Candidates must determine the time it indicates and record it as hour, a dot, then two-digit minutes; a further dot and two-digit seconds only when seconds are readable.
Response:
7.32
